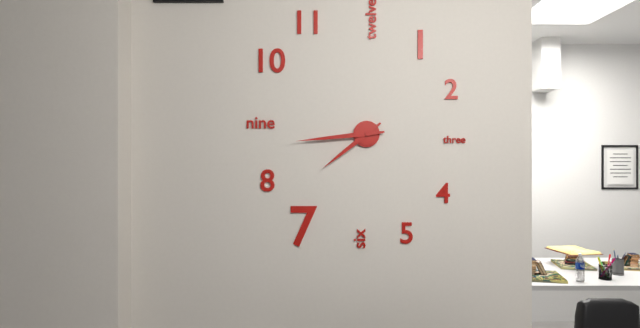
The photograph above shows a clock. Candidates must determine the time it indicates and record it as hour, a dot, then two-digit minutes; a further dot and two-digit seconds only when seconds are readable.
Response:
7.44
